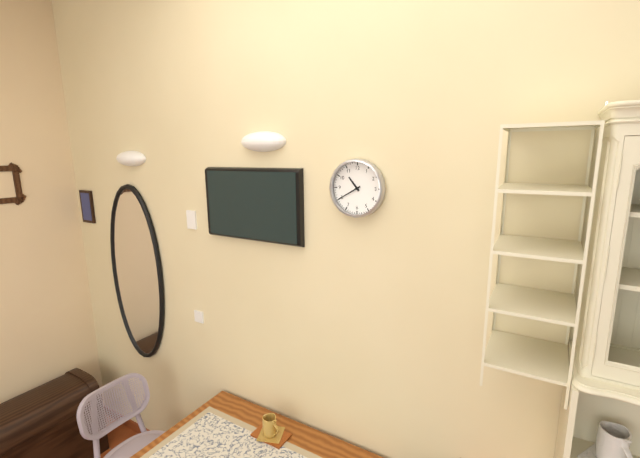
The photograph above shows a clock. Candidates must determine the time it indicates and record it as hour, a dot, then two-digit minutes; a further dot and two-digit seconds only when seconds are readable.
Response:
10.40
